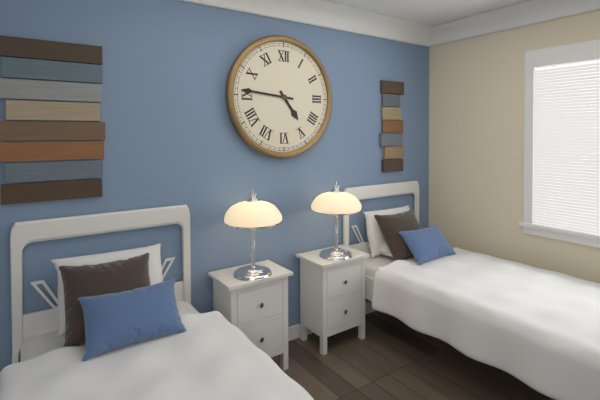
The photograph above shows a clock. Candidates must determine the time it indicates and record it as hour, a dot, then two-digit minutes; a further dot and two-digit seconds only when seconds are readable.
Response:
4.46
